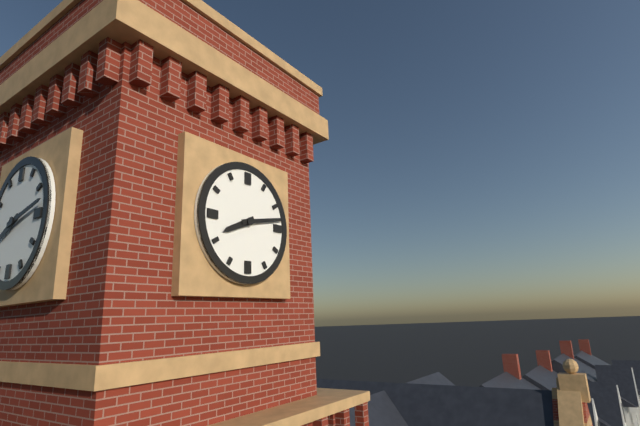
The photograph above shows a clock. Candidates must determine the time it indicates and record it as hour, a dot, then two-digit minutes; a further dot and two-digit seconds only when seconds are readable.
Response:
8.13
